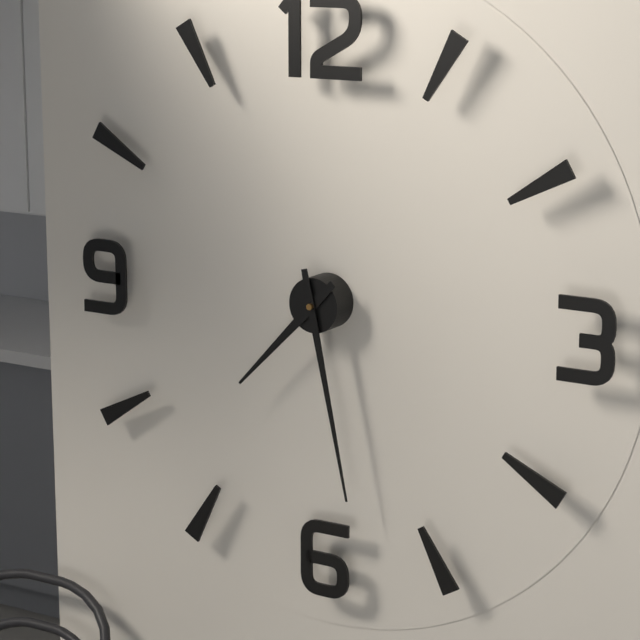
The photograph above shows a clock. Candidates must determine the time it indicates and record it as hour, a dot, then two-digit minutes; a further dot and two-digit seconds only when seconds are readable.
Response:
7.28
